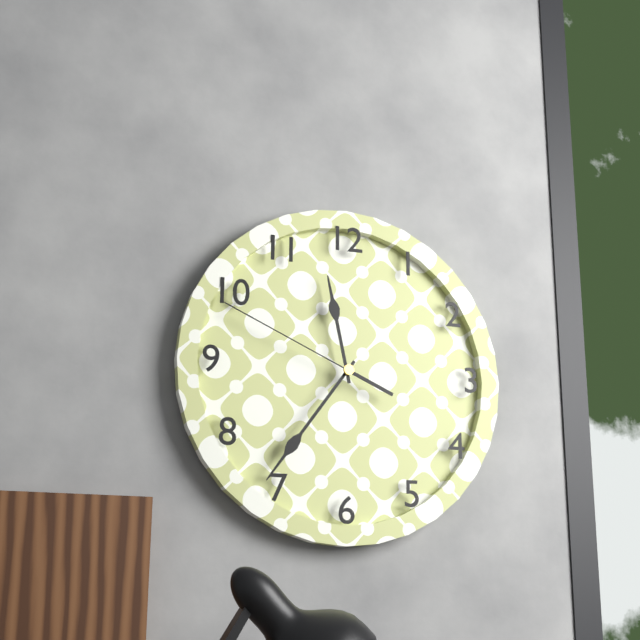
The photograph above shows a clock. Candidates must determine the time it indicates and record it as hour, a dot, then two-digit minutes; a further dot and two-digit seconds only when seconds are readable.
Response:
11.36.49
